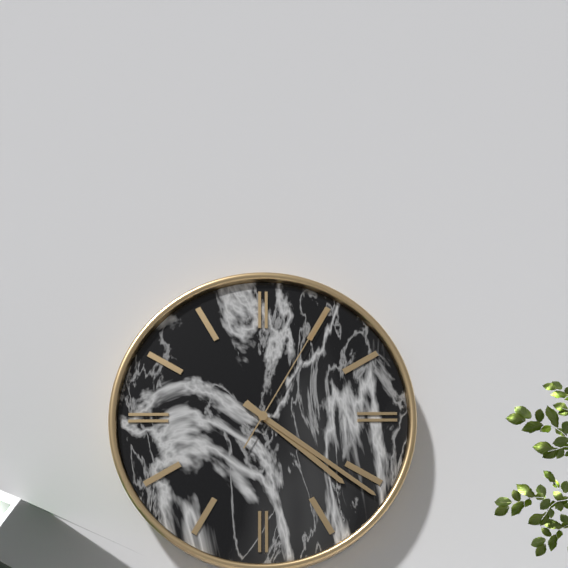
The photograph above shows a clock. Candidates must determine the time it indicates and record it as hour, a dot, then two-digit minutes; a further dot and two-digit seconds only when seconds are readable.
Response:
4.21.05
